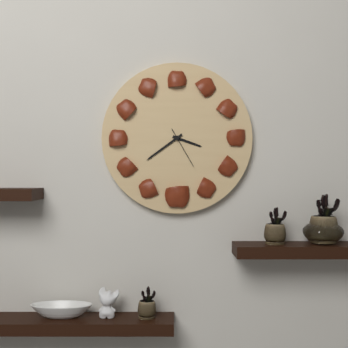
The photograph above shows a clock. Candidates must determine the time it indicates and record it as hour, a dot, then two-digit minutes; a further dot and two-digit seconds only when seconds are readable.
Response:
3.39
